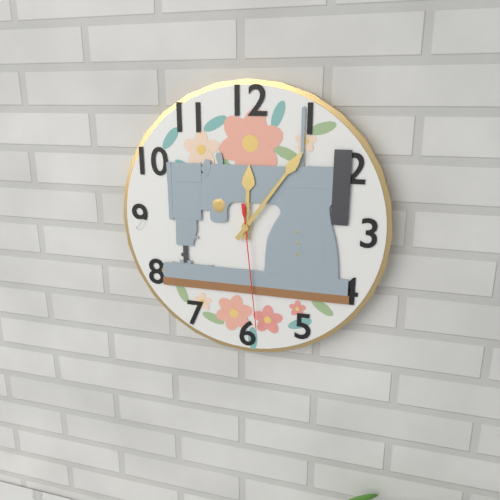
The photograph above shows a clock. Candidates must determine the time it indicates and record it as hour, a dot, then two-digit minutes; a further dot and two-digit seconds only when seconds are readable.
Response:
12.06.29
